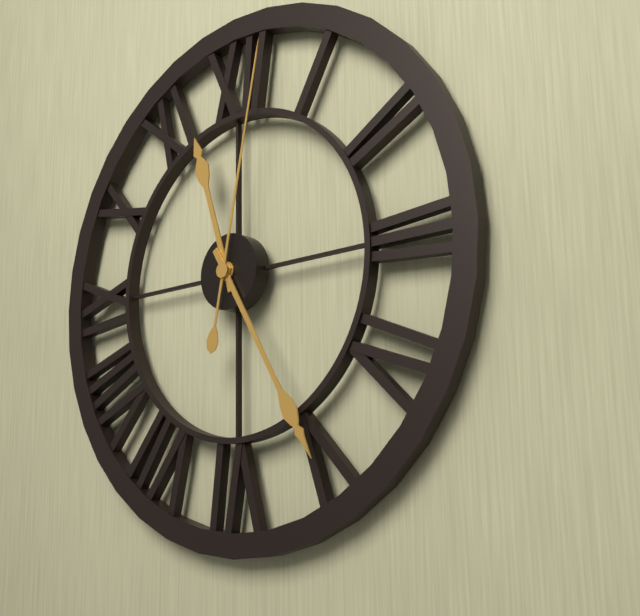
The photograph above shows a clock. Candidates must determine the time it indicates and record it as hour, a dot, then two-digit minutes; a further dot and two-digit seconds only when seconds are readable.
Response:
11.25.02
